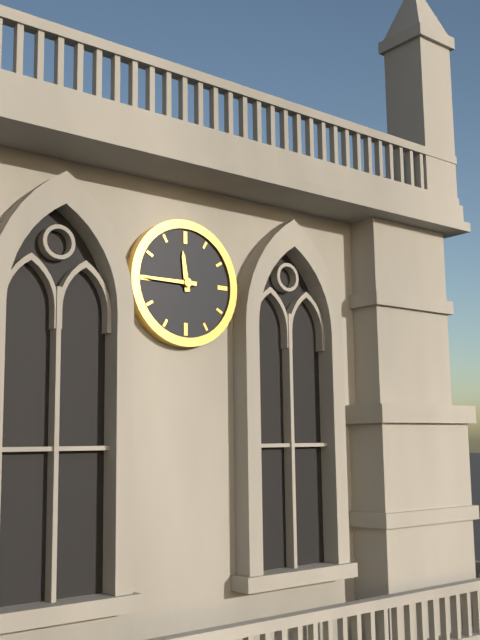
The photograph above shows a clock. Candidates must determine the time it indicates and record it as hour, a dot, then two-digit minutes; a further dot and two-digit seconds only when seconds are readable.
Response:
11.45
